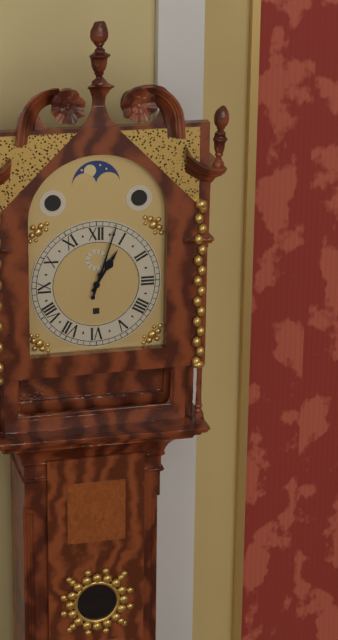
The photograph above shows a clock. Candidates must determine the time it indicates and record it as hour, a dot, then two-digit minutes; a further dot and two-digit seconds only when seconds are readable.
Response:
1.03
